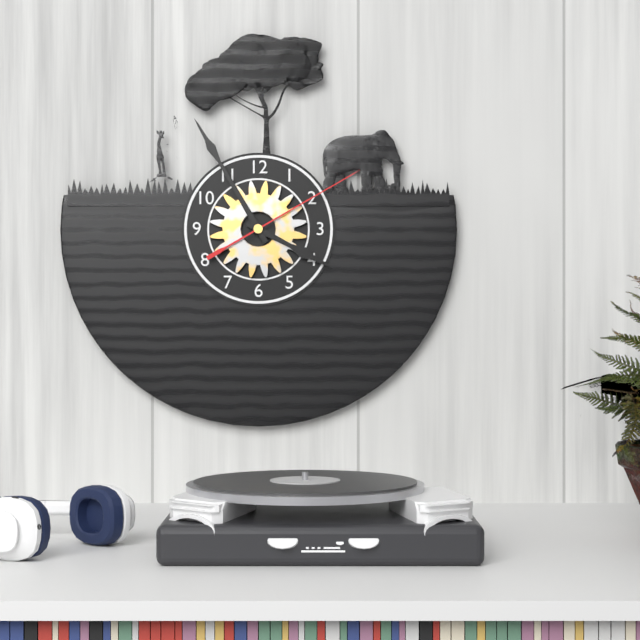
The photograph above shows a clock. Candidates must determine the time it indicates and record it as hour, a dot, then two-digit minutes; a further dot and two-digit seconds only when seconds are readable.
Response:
3.55.10
